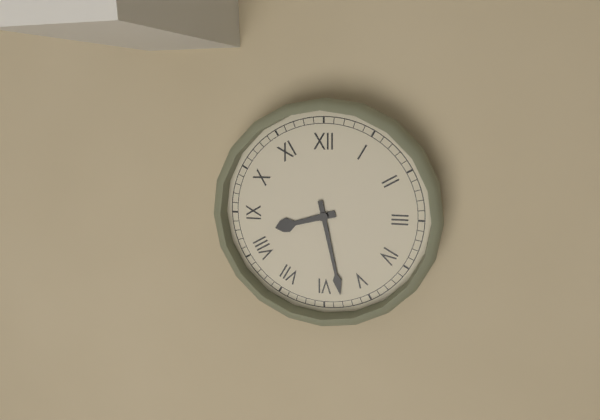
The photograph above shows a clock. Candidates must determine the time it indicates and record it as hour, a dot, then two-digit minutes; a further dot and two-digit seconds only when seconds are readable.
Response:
8.28
